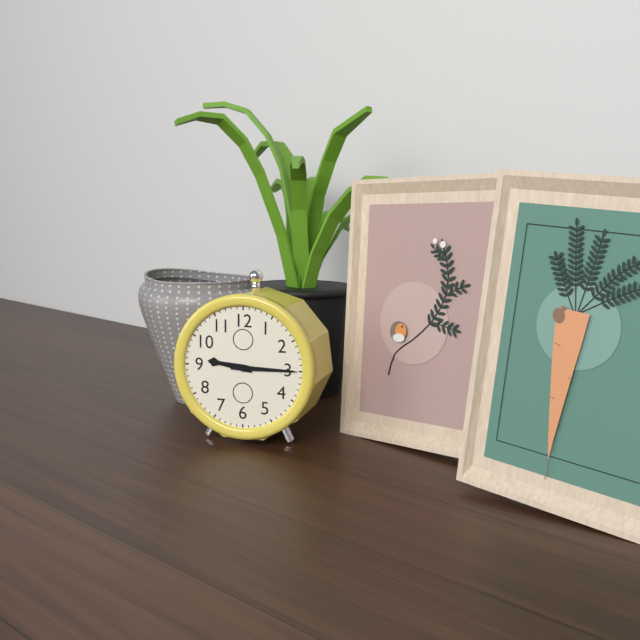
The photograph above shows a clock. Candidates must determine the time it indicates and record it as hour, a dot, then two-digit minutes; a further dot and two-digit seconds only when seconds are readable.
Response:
9.15
